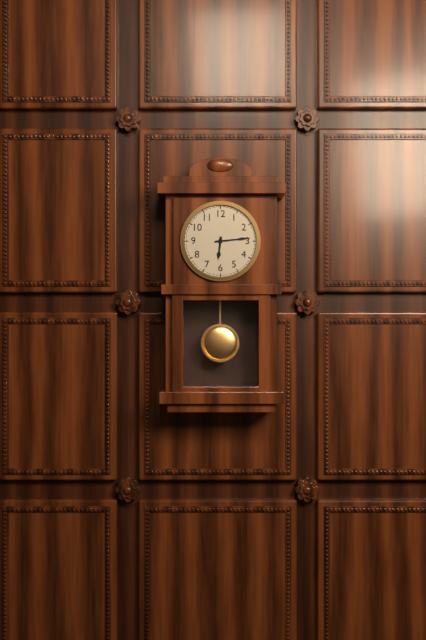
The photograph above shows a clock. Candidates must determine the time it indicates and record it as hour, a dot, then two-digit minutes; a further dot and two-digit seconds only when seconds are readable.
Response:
6.14
